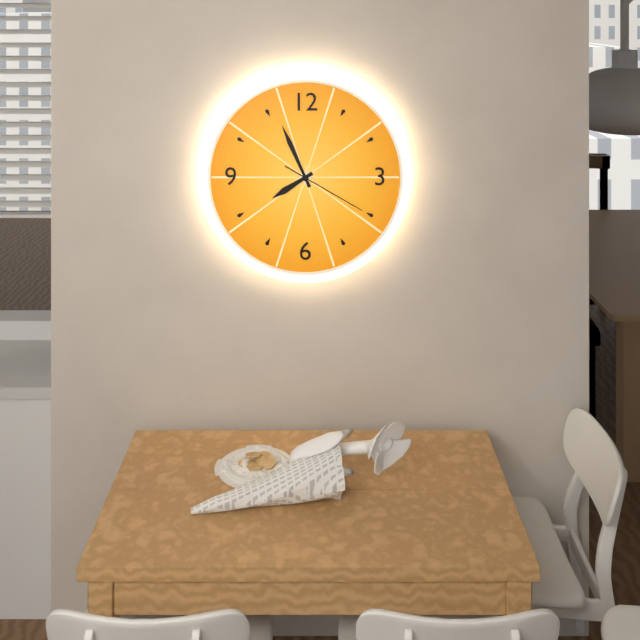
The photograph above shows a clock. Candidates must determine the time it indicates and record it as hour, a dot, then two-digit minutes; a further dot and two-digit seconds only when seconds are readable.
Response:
7.56.20
